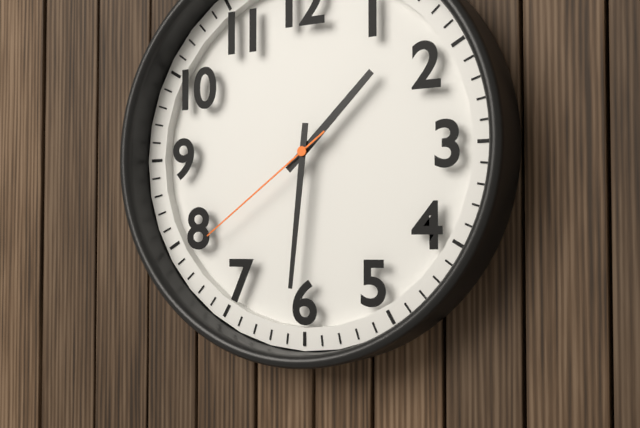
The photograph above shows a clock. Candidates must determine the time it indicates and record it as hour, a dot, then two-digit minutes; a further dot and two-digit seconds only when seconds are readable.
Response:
1.31.39
